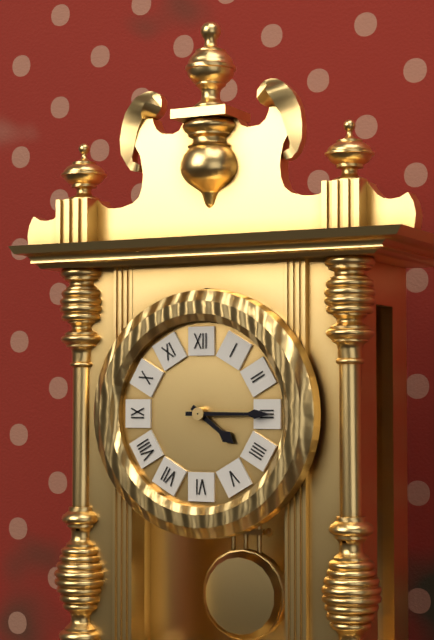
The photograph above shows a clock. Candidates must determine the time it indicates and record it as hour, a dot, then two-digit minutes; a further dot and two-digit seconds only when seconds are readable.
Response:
4.15
